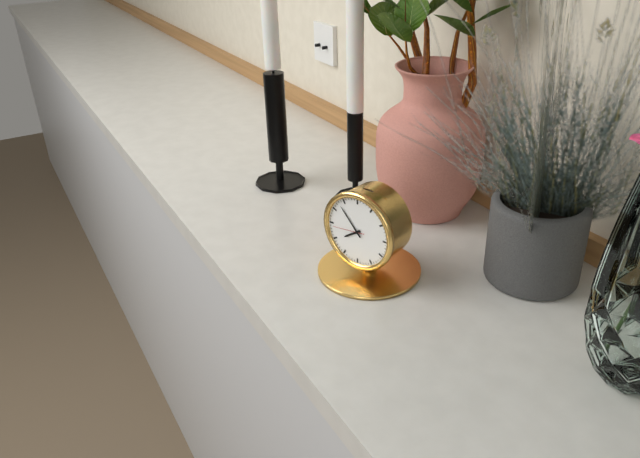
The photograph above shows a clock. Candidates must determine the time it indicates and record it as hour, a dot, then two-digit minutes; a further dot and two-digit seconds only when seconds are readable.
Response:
7.53
